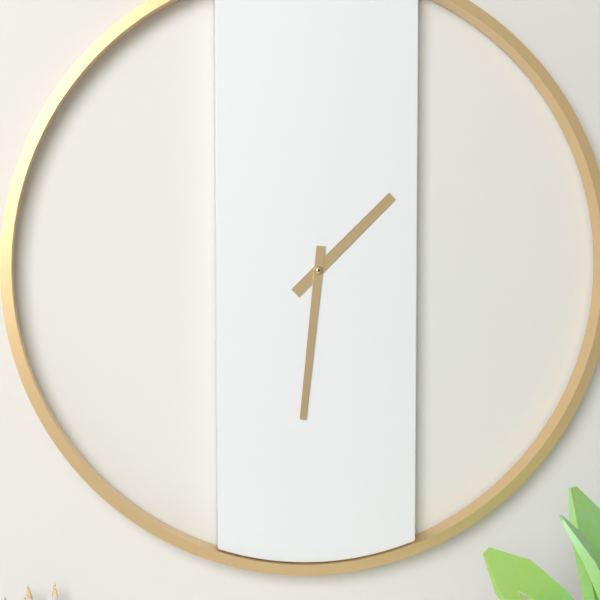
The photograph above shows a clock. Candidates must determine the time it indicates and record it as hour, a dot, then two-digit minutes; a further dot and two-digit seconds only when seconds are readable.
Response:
1.31
